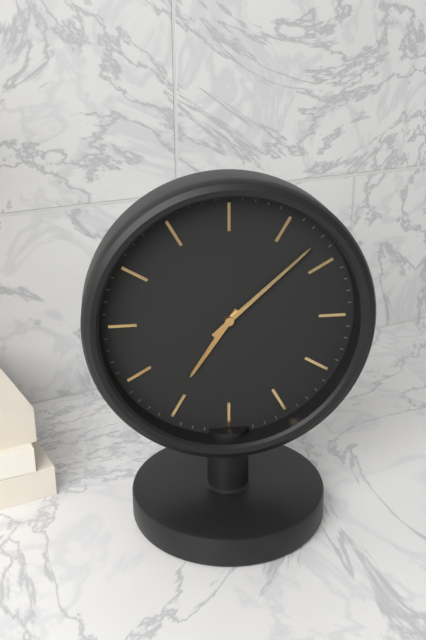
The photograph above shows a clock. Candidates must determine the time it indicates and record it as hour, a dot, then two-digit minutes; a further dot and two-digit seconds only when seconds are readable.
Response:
7.08
